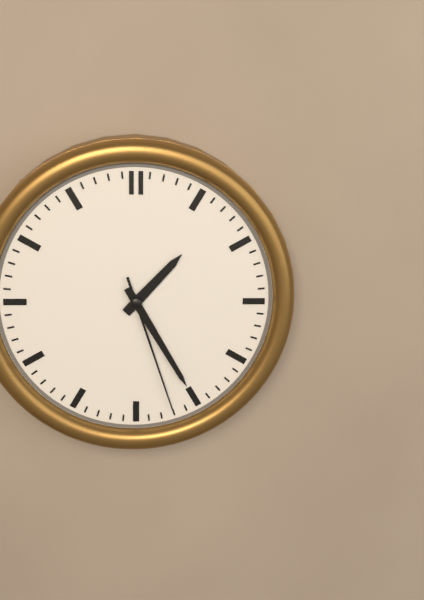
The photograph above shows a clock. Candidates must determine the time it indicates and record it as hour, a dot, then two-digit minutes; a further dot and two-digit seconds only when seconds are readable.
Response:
1.25.27
